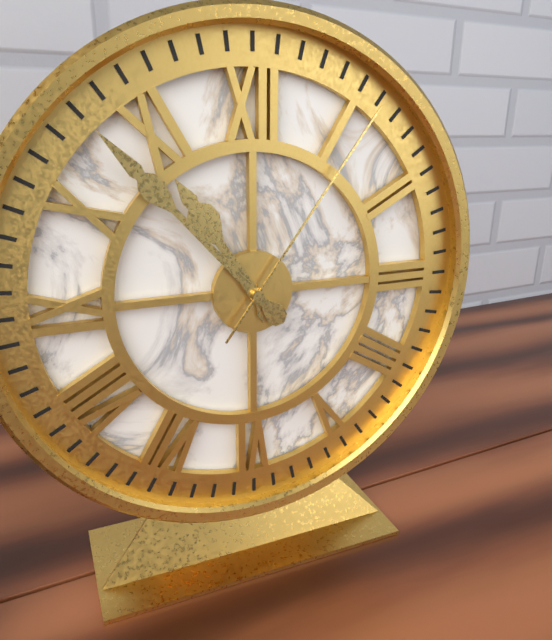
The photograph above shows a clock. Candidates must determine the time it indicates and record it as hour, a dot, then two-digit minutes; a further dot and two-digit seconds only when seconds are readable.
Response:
10.53.06
